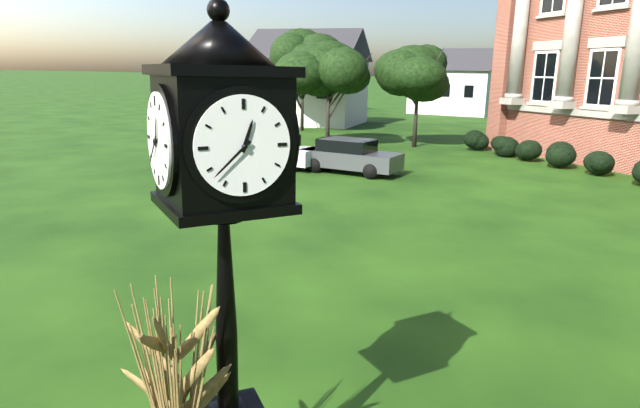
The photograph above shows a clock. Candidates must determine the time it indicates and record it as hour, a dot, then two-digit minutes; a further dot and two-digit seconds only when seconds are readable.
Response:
12.38
